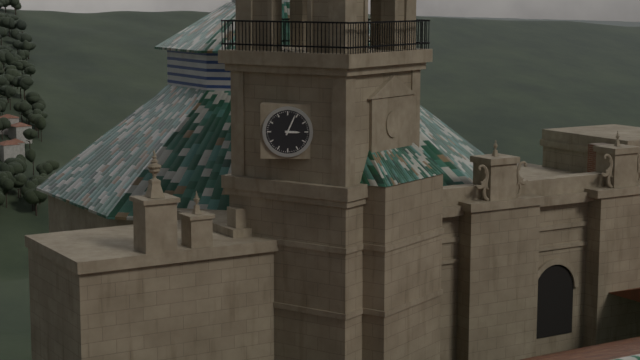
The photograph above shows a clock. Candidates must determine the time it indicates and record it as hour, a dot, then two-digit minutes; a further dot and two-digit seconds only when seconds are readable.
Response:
3.04
